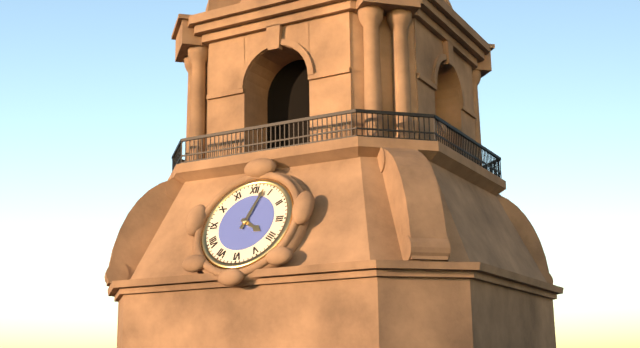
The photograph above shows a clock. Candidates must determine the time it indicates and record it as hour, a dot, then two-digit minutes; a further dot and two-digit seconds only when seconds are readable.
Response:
4.03
